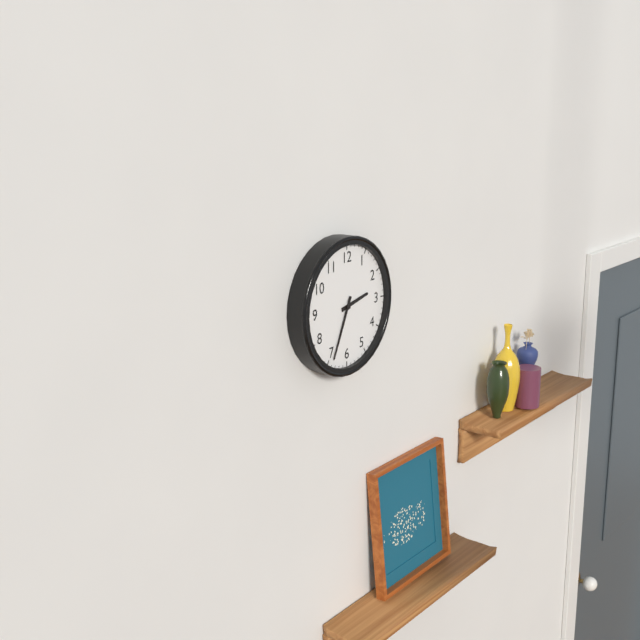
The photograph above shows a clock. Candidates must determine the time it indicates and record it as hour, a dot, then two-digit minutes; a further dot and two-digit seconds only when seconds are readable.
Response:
2.34
